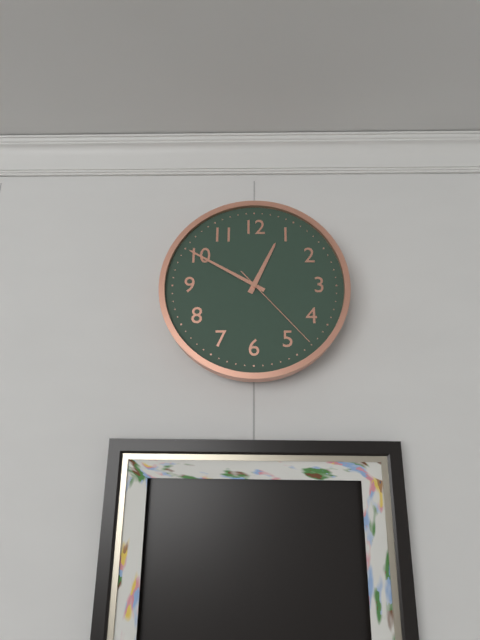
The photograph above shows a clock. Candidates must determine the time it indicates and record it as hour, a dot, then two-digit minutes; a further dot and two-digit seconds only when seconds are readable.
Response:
12.50.23
